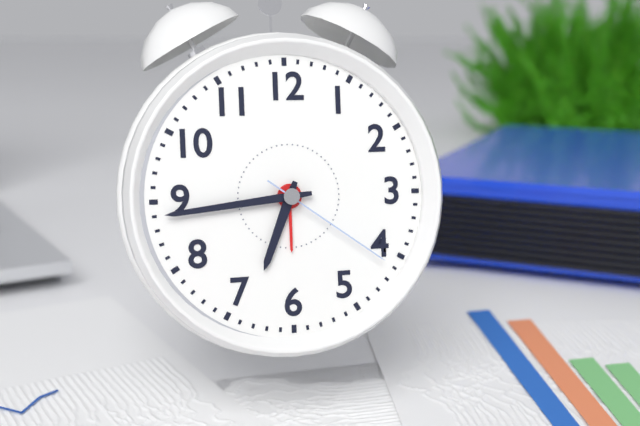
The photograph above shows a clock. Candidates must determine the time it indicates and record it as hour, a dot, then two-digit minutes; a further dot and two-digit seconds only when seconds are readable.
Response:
6.44.21
